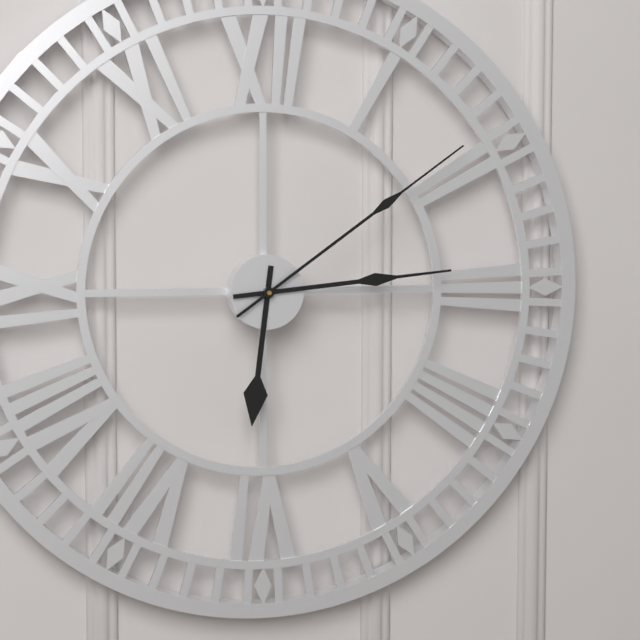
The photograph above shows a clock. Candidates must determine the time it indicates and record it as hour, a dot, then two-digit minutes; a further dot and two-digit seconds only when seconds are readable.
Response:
6.14.09
